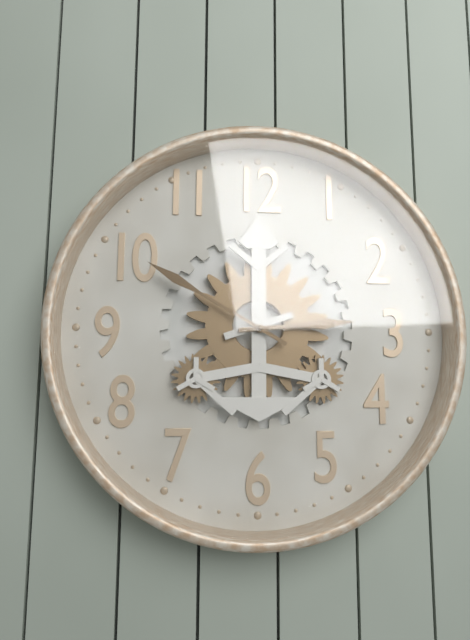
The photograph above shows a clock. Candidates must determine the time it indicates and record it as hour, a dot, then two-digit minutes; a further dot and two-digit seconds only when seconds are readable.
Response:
2.50
